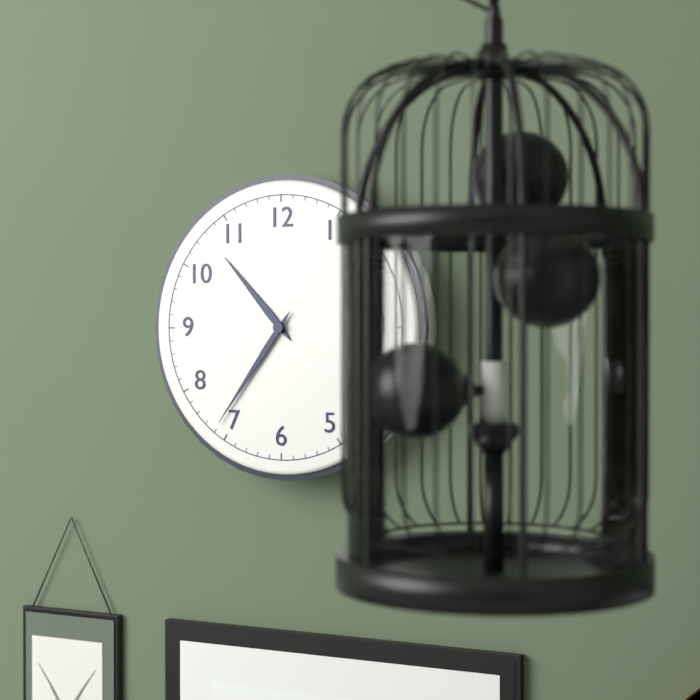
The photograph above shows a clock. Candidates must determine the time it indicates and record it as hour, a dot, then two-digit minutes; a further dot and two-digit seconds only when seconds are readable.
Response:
10.36
